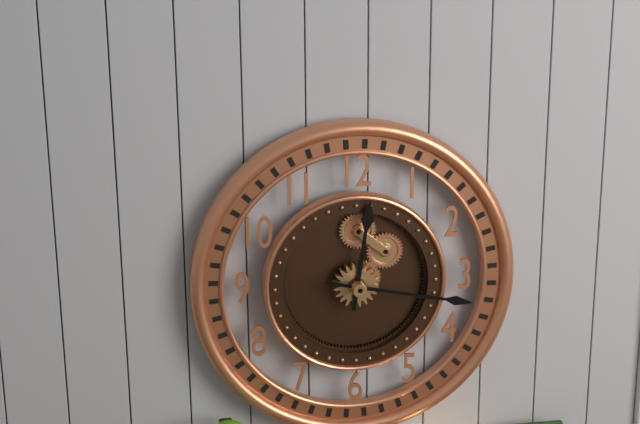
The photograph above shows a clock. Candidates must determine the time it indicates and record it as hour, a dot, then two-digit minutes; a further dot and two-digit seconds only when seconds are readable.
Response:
12.17
